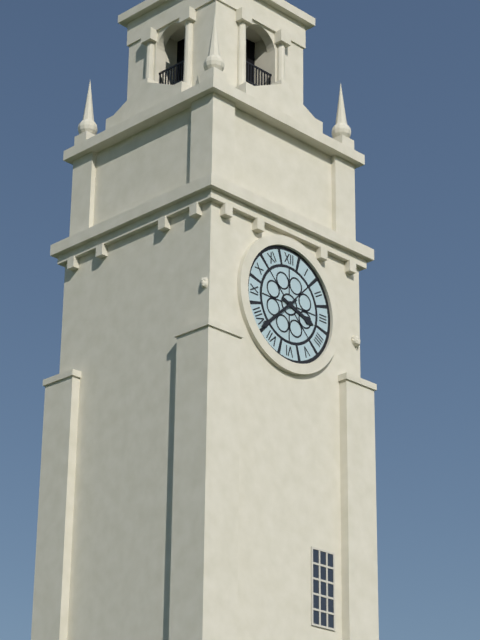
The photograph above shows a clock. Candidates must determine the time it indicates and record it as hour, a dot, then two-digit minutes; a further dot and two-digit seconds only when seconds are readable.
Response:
3.38
